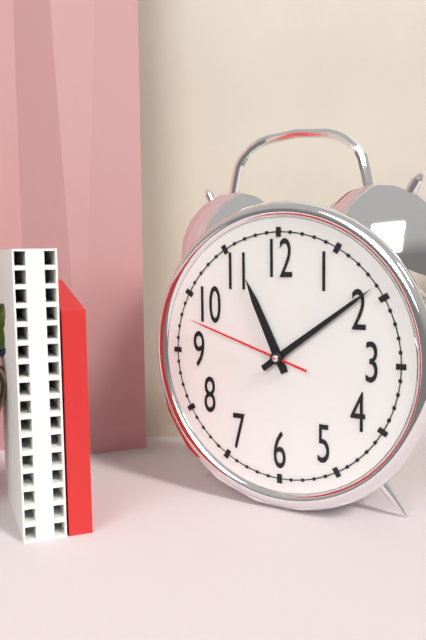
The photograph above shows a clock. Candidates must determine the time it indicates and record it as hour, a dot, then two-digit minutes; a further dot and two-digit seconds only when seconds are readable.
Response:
11.09.48
